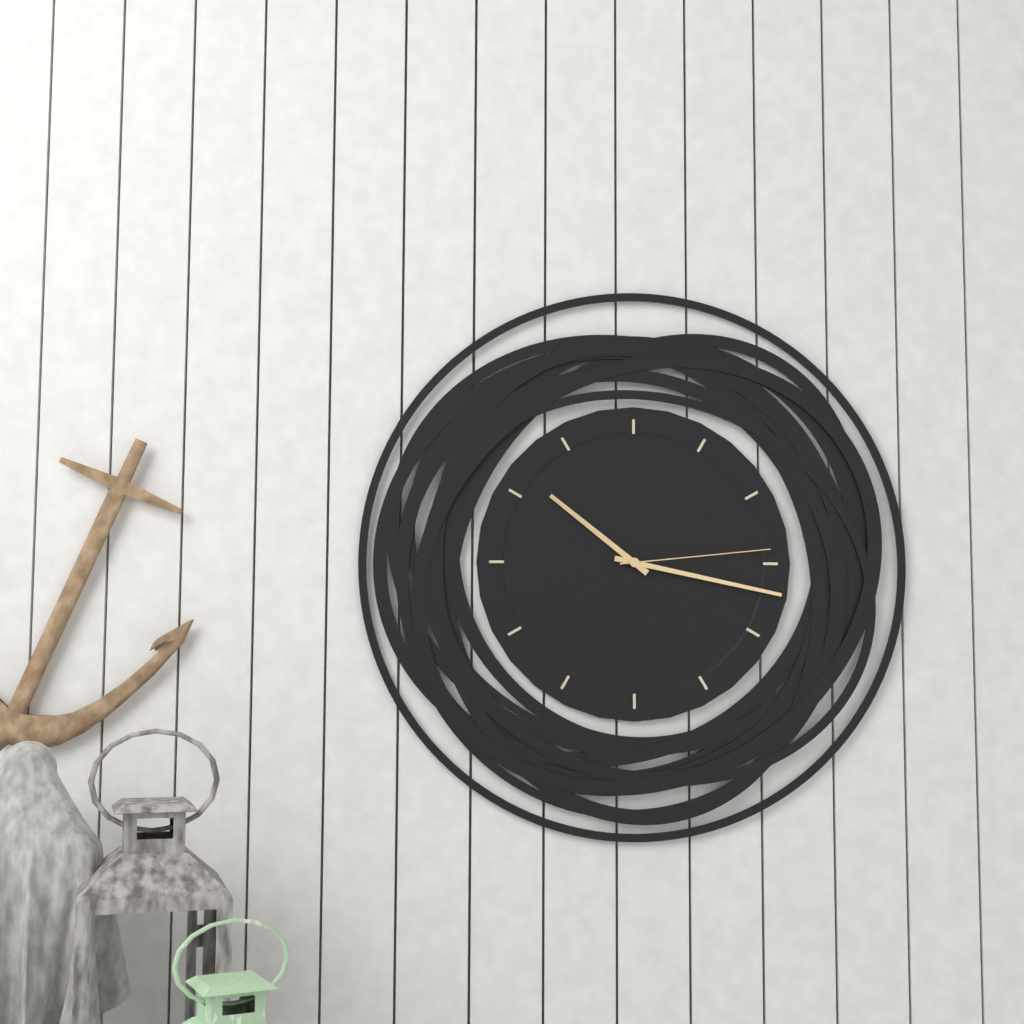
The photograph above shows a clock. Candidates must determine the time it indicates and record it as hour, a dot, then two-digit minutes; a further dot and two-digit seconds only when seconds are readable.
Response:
10.17.14
